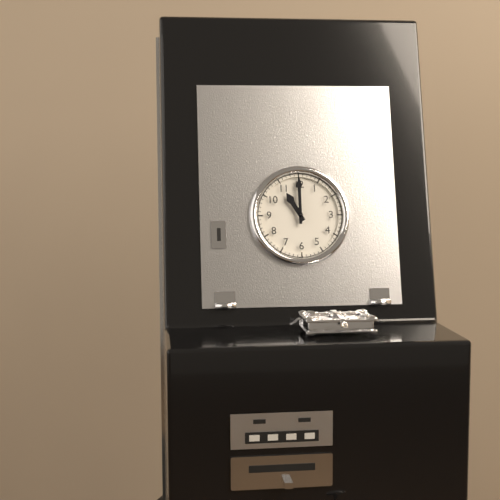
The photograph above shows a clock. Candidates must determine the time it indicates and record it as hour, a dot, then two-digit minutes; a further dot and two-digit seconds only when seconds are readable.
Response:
11.00
